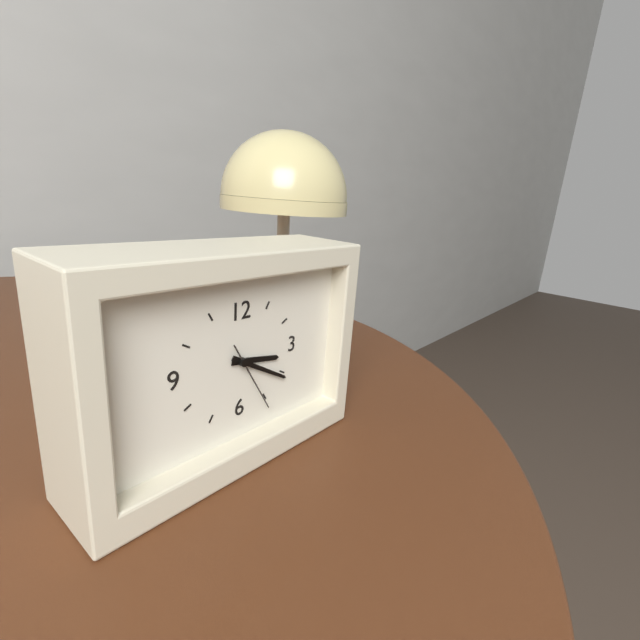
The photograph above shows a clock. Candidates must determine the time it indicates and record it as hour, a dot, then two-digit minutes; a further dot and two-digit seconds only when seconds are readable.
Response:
3.20.25
